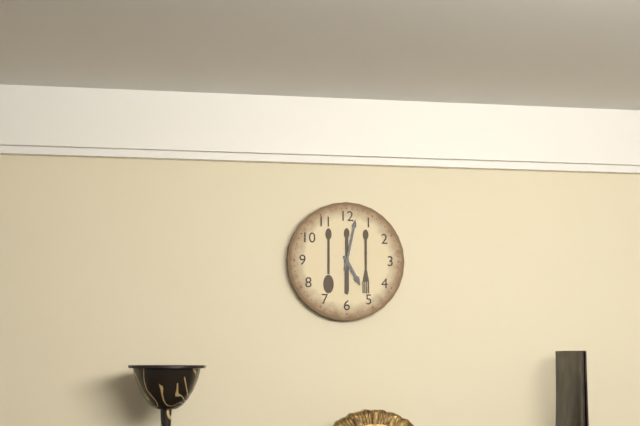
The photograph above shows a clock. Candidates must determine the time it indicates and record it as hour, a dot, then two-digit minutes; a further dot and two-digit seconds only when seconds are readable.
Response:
5.02
